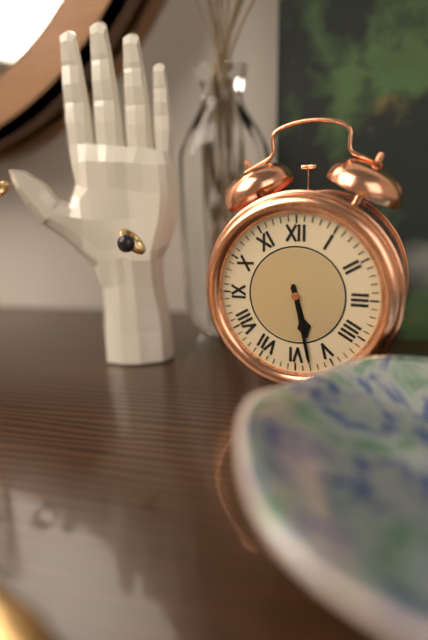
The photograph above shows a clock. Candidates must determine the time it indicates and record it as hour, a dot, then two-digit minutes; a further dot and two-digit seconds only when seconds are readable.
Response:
5.28
